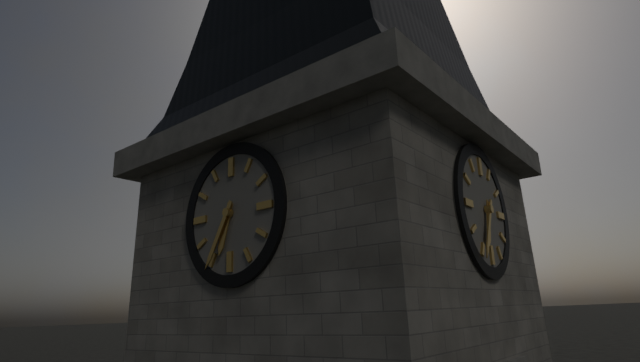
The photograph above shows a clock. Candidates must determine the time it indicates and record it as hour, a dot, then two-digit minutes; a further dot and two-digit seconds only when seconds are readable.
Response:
6.35
